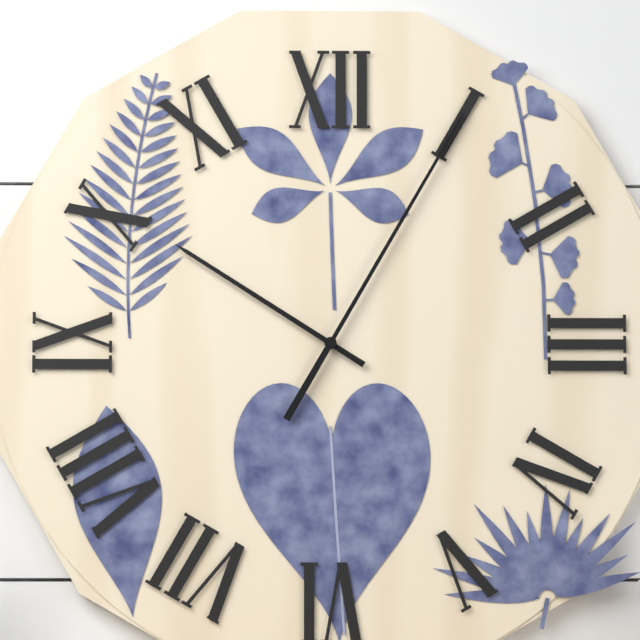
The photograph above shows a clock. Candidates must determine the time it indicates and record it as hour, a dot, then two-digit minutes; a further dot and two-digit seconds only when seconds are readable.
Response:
10.05
